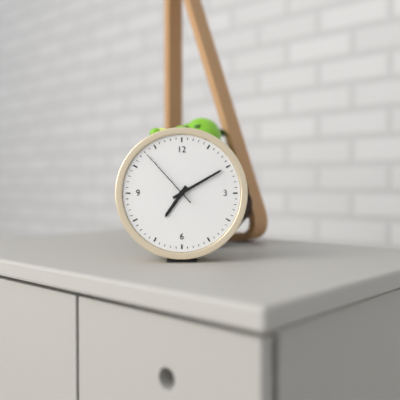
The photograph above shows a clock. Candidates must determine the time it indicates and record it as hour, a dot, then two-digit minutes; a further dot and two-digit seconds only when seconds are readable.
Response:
7.10.53
